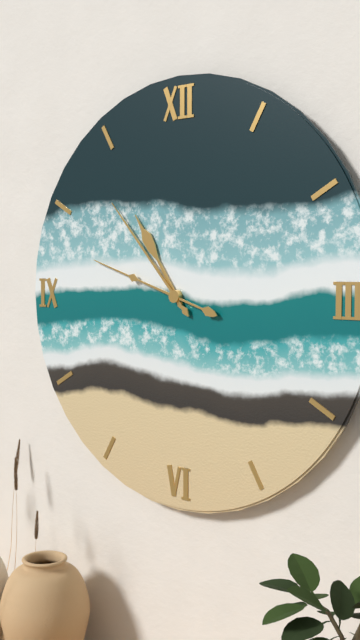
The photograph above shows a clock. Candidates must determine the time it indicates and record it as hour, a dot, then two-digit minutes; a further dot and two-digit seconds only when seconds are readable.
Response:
10.53.48
